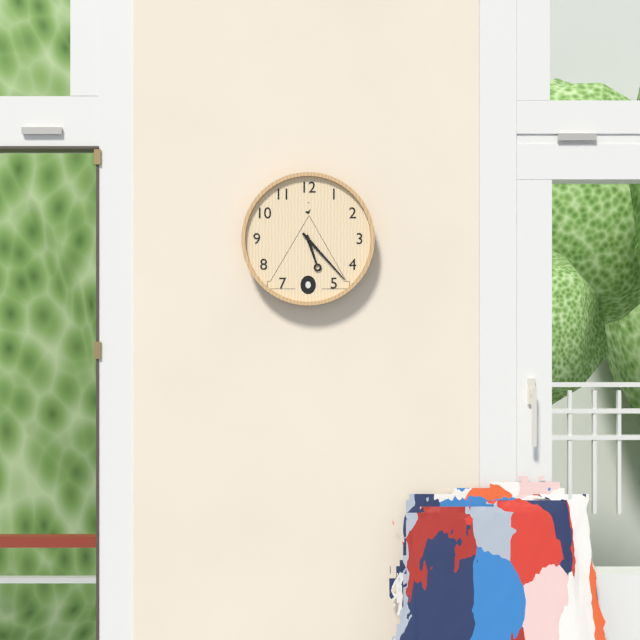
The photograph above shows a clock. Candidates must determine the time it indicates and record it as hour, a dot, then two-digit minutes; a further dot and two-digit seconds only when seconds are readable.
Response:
5.23
